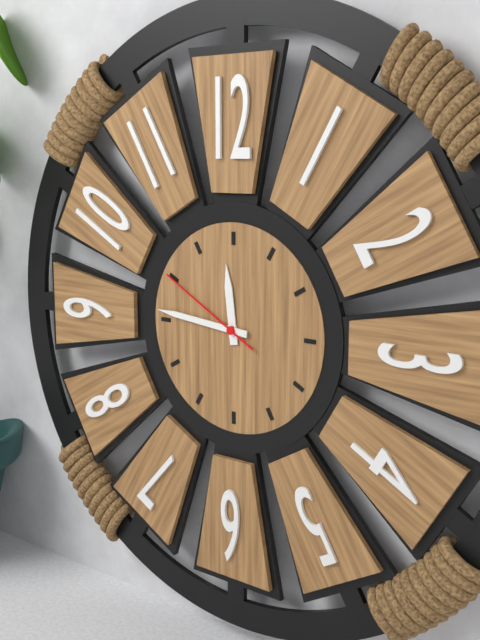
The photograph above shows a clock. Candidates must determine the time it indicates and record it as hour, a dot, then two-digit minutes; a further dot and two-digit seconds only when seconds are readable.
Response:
11.46.50
